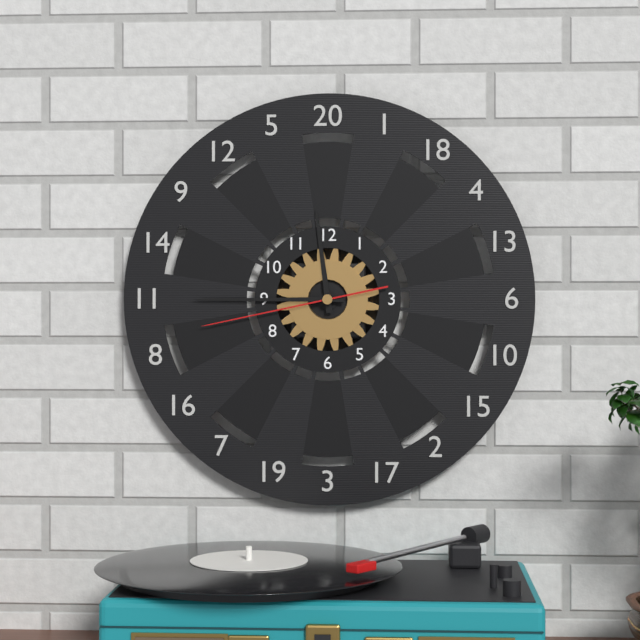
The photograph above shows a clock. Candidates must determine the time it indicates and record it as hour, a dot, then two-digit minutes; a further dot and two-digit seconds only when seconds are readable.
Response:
11.45.43
